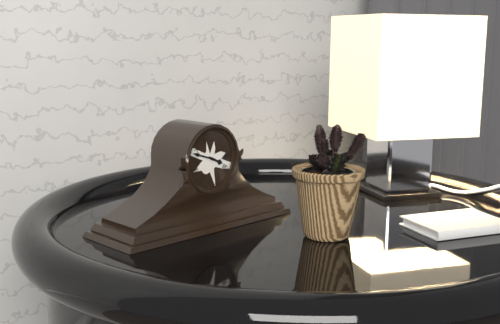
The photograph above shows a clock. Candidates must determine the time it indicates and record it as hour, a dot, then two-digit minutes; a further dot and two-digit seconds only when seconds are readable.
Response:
3.48
